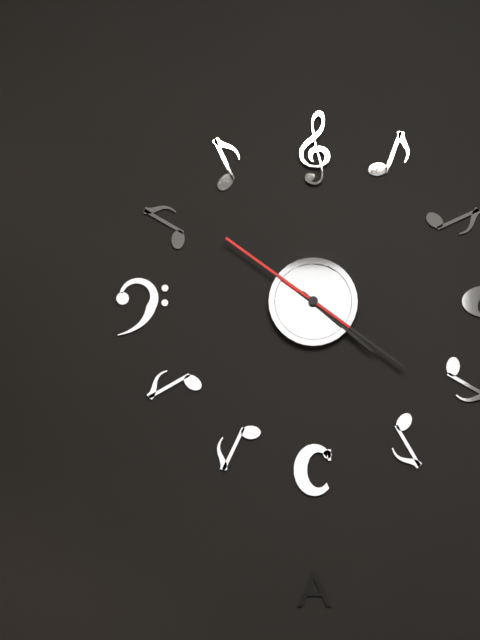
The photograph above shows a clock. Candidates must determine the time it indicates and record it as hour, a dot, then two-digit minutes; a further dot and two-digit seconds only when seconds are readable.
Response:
4.21.51
